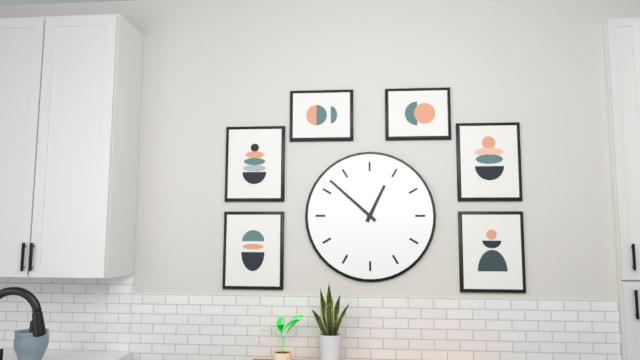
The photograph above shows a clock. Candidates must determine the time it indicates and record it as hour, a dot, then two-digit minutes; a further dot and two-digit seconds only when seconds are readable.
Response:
12.52
